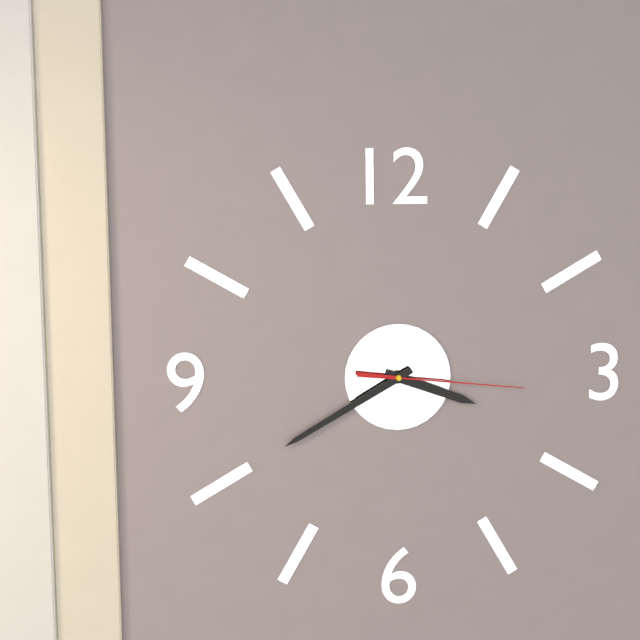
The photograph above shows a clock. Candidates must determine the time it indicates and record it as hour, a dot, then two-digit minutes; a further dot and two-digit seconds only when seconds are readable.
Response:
3.40.16
